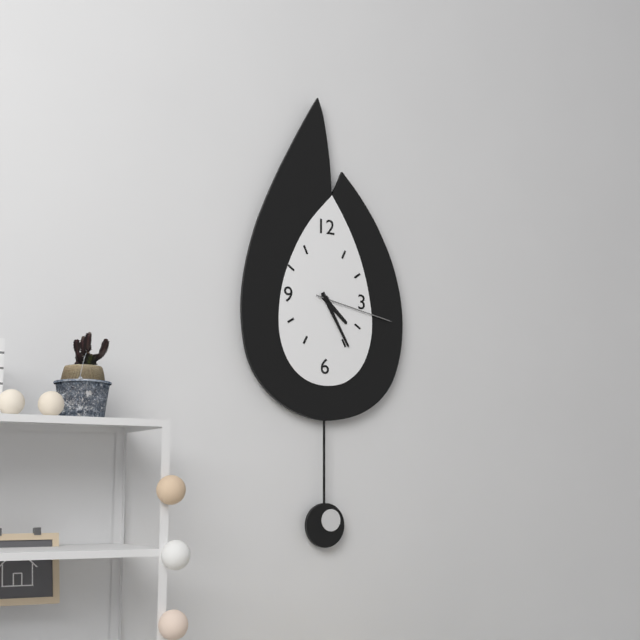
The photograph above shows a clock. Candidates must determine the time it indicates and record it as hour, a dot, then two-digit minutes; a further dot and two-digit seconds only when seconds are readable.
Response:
4.25.17
